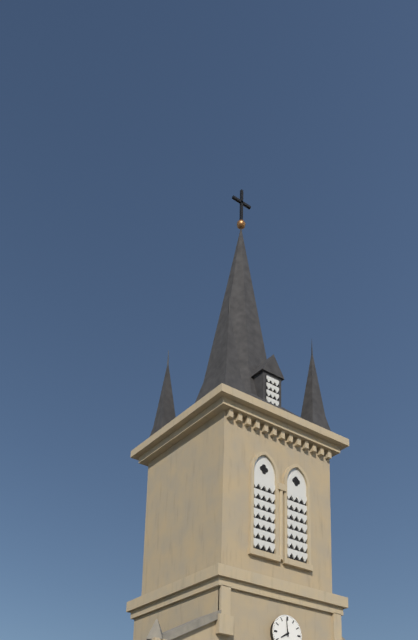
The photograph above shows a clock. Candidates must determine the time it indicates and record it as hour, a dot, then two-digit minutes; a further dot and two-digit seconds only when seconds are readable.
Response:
7.59
